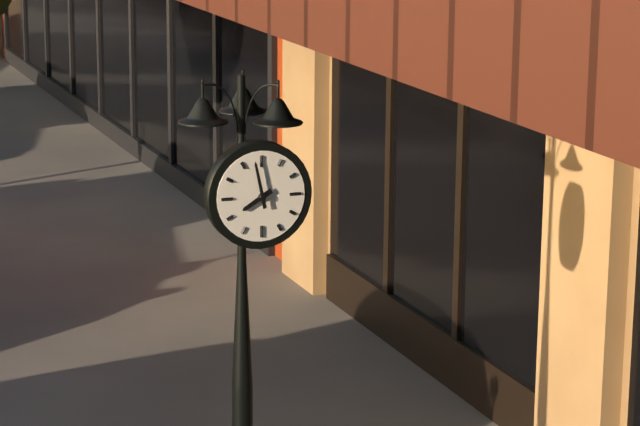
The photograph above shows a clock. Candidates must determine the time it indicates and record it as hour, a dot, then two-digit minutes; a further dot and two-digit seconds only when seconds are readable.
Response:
7.58
